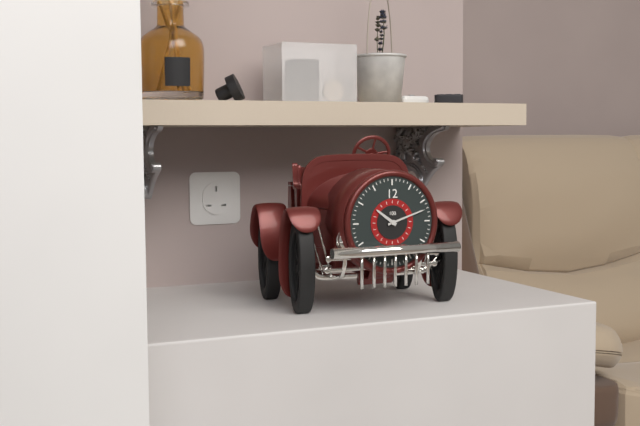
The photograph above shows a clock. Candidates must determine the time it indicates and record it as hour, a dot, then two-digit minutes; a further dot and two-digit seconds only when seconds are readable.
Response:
10.12
